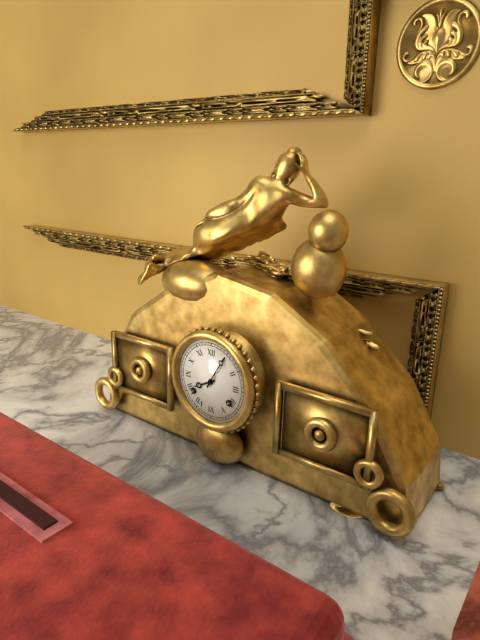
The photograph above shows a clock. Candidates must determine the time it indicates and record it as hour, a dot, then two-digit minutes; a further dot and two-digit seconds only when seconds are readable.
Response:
8.05
